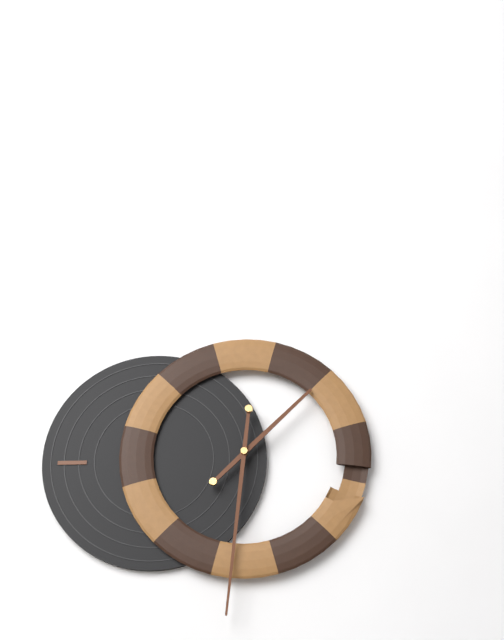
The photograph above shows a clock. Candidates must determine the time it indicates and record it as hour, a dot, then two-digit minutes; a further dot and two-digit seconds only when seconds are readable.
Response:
1.31
